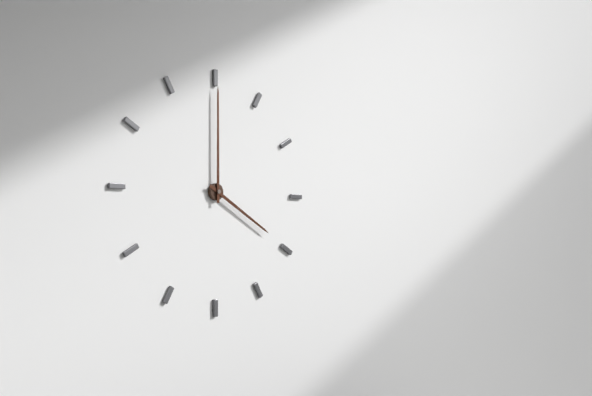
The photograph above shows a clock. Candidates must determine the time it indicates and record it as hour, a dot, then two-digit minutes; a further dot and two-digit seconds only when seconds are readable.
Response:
4.00
